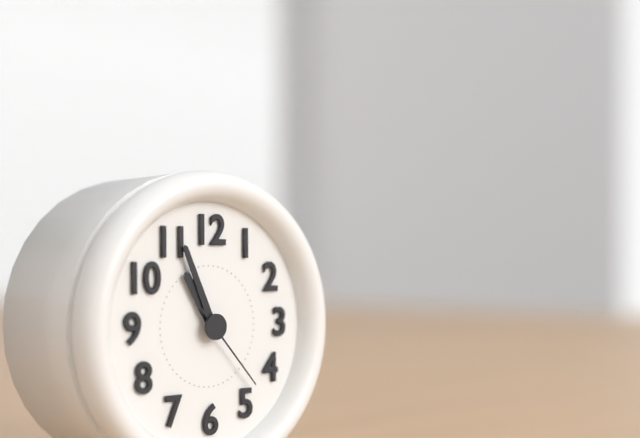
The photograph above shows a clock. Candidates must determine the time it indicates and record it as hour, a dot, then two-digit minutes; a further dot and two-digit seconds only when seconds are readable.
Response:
10.56.23
